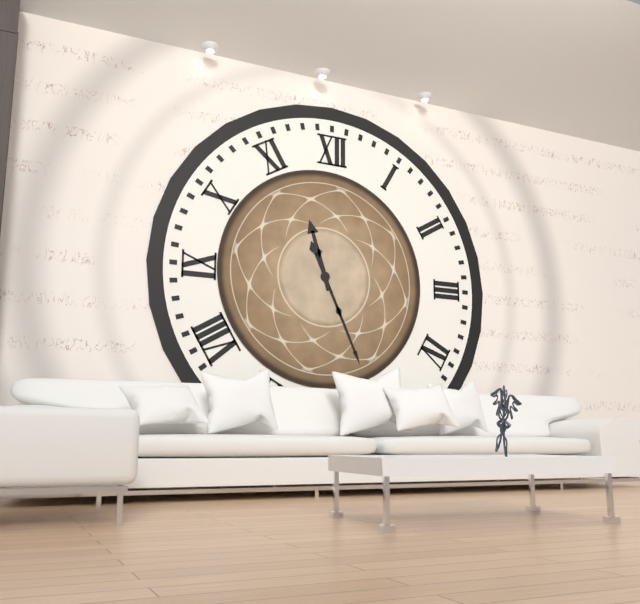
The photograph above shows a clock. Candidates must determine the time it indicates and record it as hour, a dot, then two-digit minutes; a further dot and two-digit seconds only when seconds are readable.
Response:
11.26
